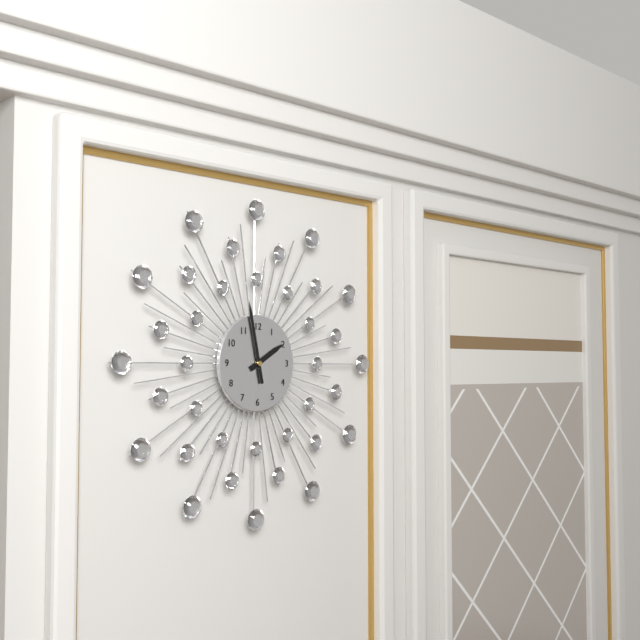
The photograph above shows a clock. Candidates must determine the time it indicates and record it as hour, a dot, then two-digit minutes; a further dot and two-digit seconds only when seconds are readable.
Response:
1.58
